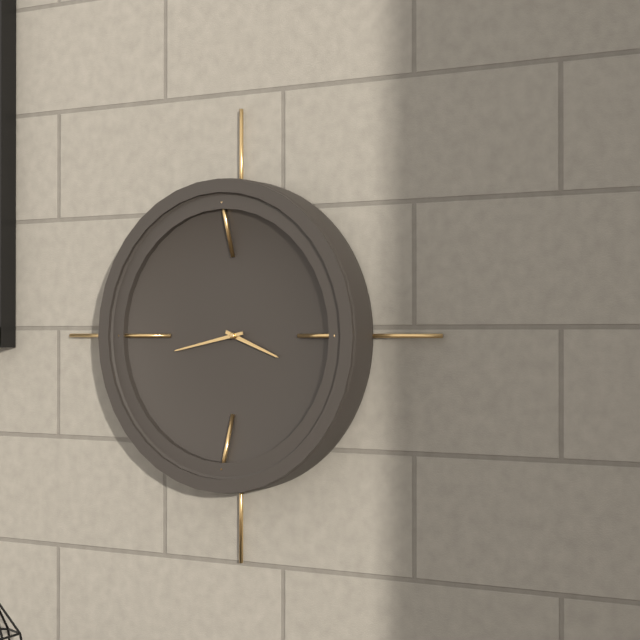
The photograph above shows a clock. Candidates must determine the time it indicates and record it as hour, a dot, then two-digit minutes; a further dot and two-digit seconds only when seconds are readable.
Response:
3.43
